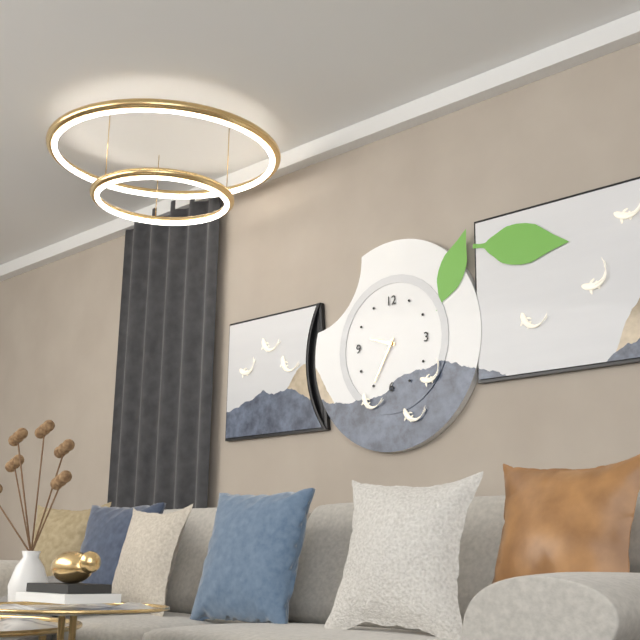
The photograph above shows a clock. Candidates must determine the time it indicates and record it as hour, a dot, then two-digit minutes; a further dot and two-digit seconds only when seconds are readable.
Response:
9.35
